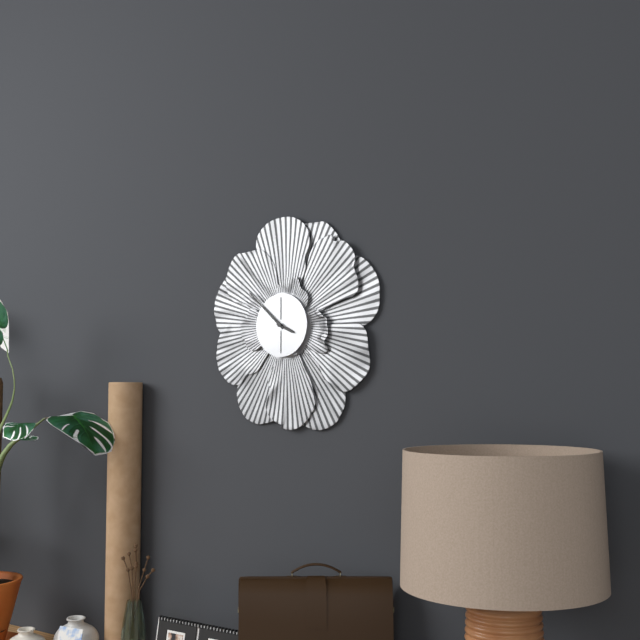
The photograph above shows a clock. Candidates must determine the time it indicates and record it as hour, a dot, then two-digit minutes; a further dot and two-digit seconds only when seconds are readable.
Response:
3.52
